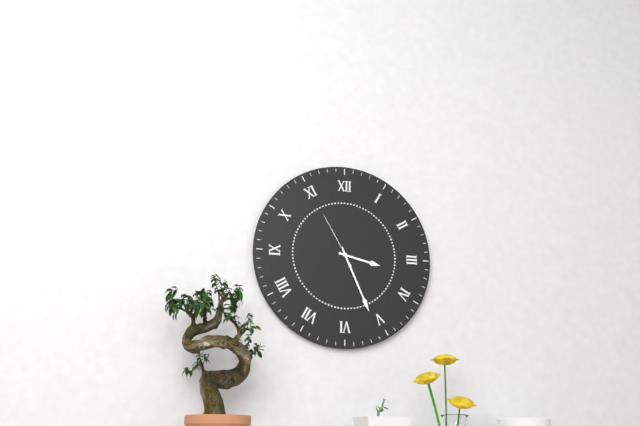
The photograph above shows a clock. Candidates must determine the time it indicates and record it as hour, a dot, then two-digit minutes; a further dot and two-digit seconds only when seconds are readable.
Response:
3.26.55
